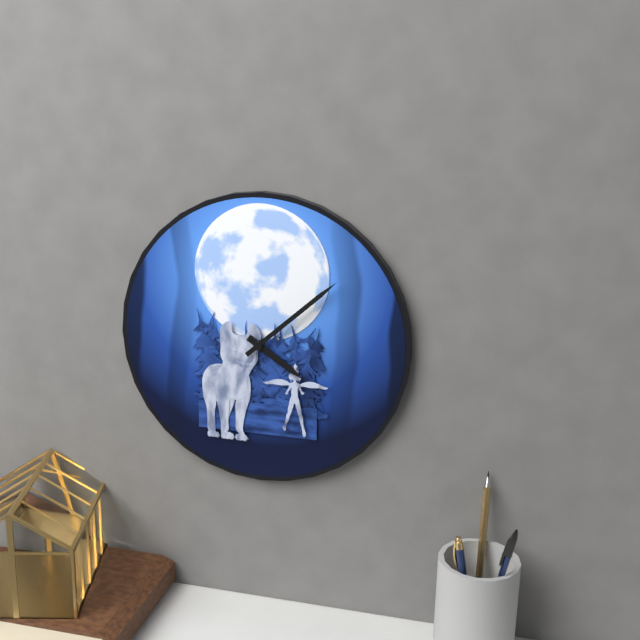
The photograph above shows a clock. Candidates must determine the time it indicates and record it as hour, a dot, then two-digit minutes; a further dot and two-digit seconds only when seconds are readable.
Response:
4.08
